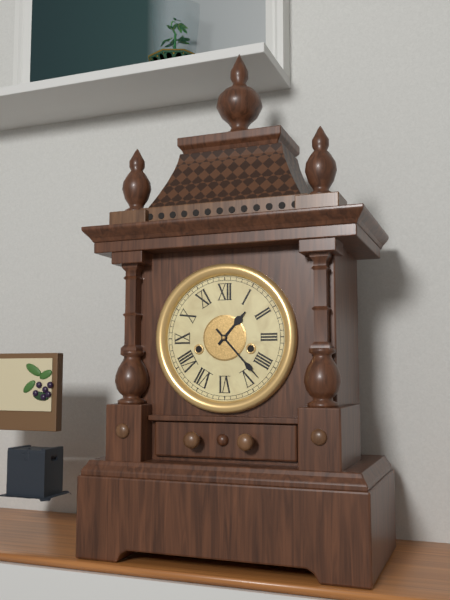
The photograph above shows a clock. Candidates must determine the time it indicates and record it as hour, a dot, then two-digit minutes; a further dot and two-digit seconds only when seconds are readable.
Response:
1.23
